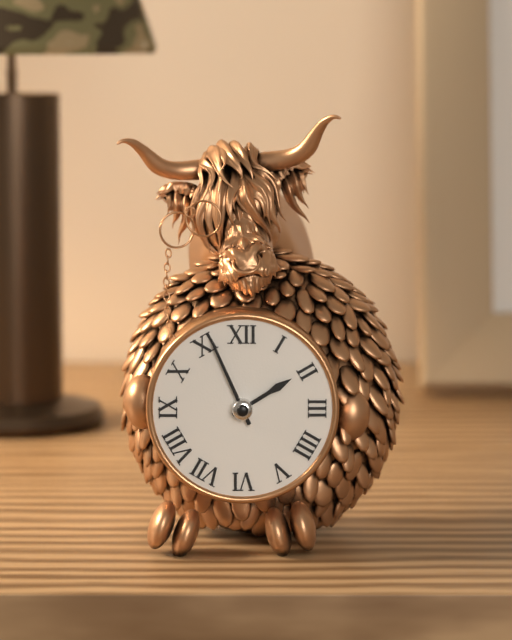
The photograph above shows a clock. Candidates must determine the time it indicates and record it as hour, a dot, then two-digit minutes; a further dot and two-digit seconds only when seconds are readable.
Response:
1.56
